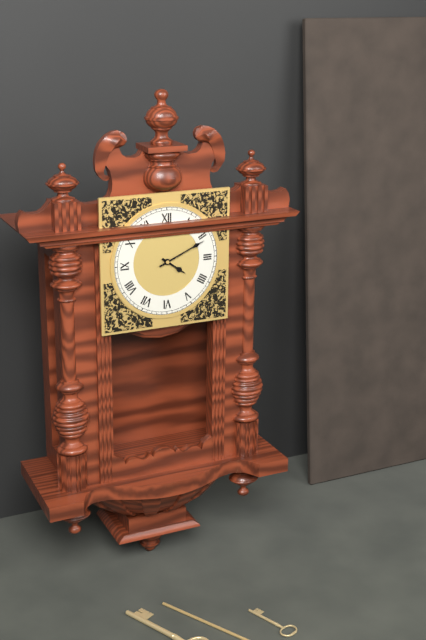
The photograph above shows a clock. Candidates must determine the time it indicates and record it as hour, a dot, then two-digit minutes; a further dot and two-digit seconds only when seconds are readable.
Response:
4.11
